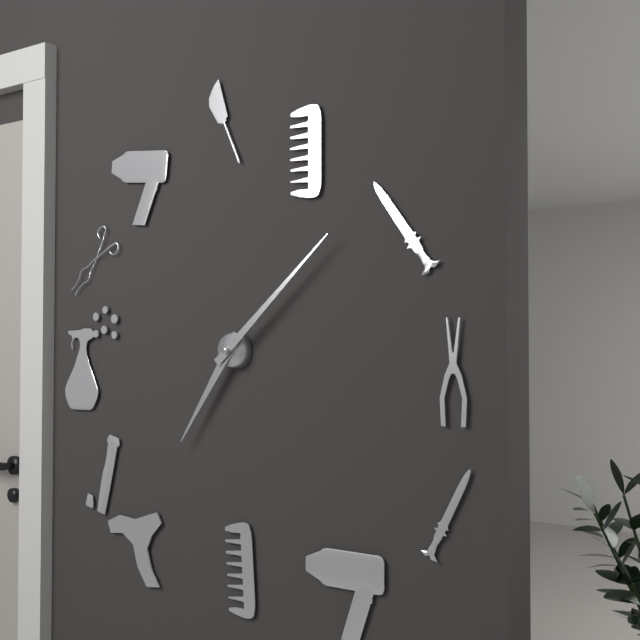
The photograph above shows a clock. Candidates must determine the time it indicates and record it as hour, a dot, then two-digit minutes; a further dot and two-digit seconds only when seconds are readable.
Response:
7.08
